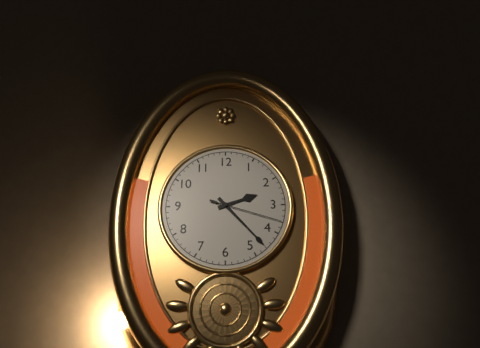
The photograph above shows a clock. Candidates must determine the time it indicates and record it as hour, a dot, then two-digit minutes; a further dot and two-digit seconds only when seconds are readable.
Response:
2.23.18
